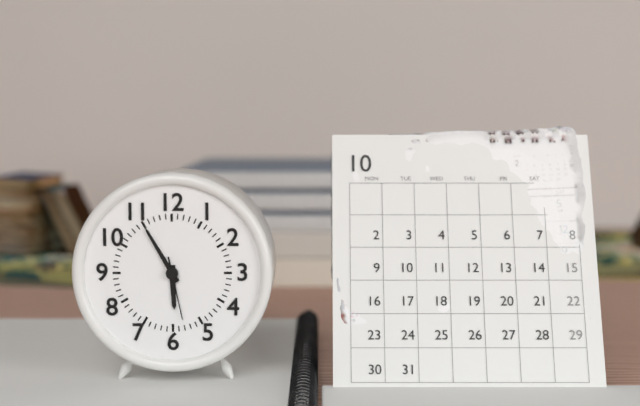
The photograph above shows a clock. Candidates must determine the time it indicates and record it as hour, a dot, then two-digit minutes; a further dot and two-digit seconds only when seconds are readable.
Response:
5.55.28
